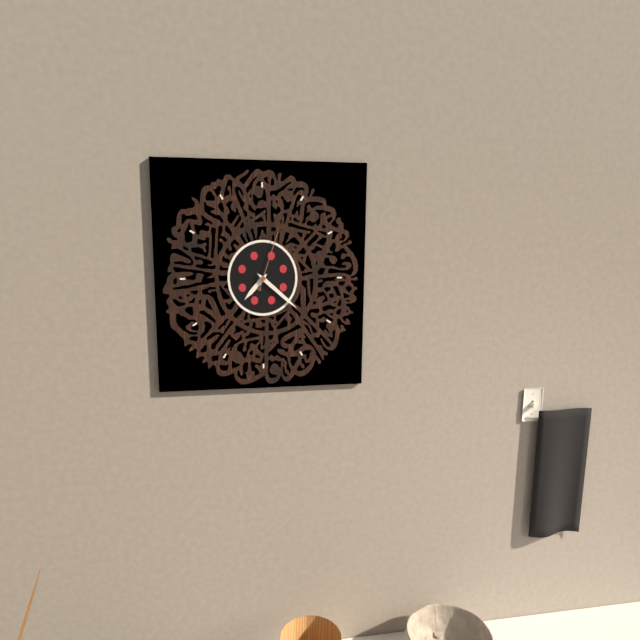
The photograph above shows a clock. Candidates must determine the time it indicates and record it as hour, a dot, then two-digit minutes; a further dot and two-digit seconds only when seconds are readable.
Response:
7.22.03
